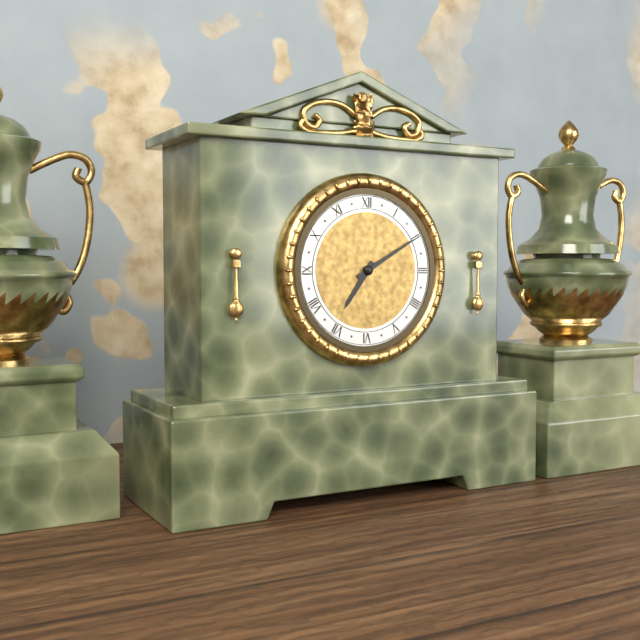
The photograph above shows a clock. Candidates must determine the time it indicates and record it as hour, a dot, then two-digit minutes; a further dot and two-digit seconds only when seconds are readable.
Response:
7.10
